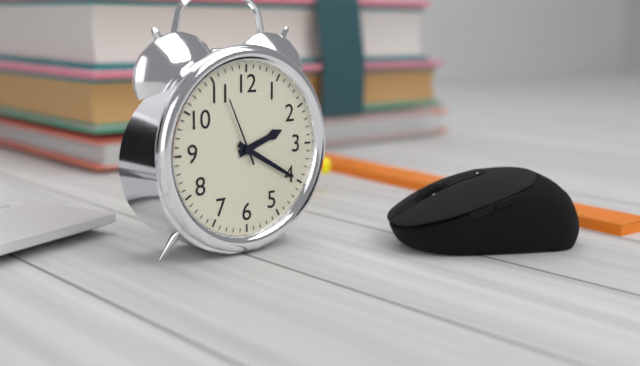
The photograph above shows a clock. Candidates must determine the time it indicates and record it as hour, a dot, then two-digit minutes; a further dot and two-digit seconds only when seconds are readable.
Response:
2.20.56
